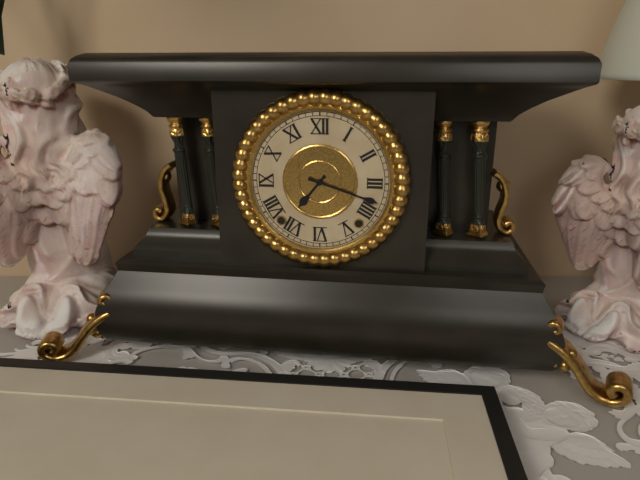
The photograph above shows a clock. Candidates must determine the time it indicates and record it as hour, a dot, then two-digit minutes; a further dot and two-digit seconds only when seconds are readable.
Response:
7.18
